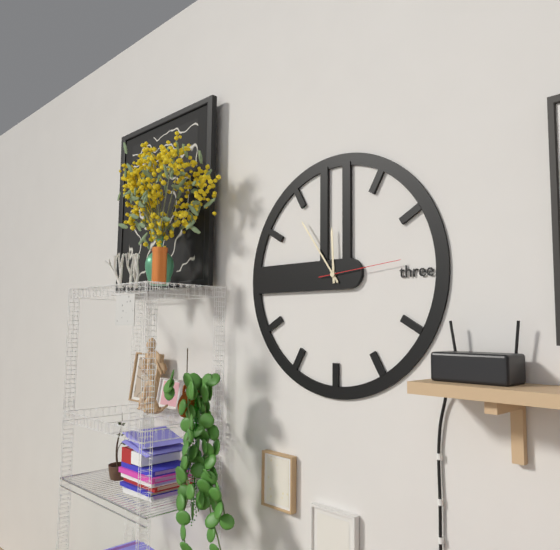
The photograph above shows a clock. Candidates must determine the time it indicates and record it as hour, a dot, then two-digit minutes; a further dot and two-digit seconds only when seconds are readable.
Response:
11.54.14
